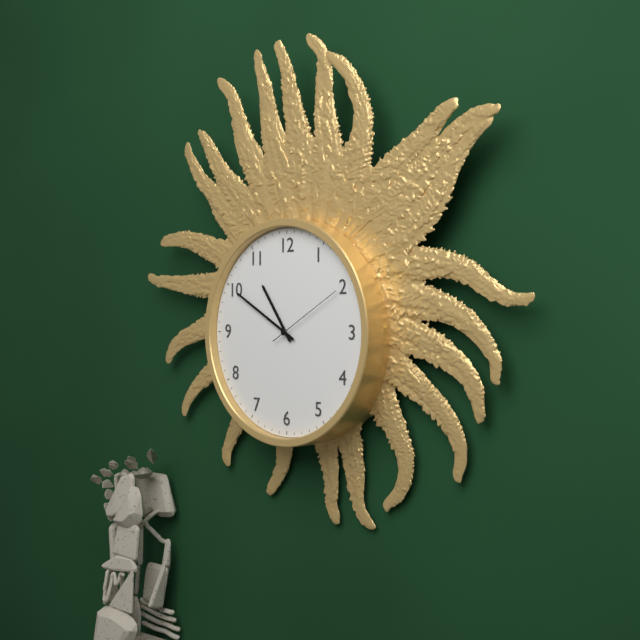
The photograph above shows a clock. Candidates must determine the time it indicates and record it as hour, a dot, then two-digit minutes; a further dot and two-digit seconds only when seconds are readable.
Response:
10.50.10
